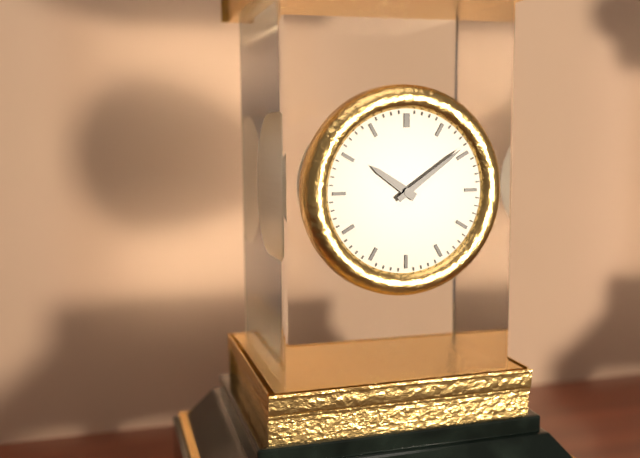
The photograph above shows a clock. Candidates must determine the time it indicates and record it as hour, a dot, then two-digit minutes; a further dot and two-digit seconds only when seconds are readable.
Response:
10.09
